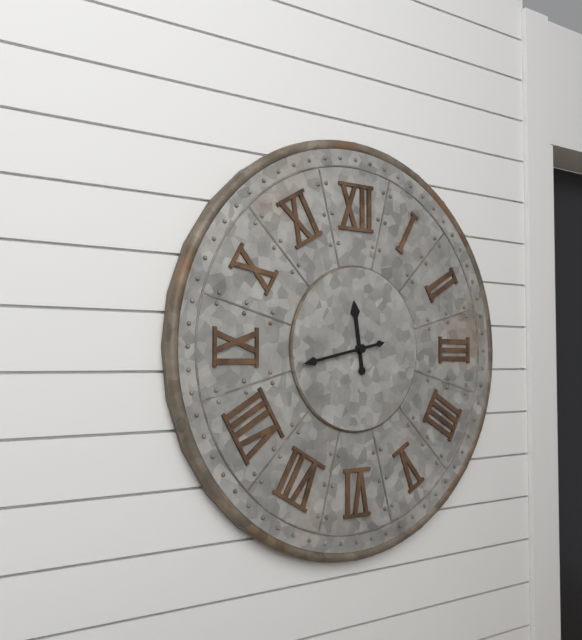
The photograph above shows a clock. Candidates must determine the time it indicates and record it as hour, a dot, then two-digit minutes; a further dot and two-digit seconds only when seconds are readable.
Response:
11.43
